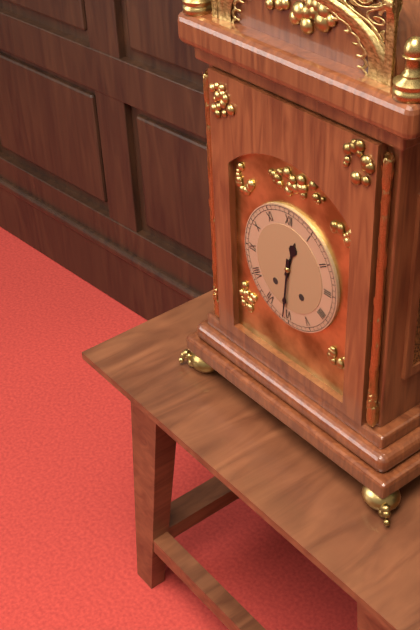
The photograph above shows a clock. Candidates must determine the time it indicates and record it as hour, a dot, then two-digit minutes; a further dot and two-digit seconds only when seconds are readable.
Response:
12.31
